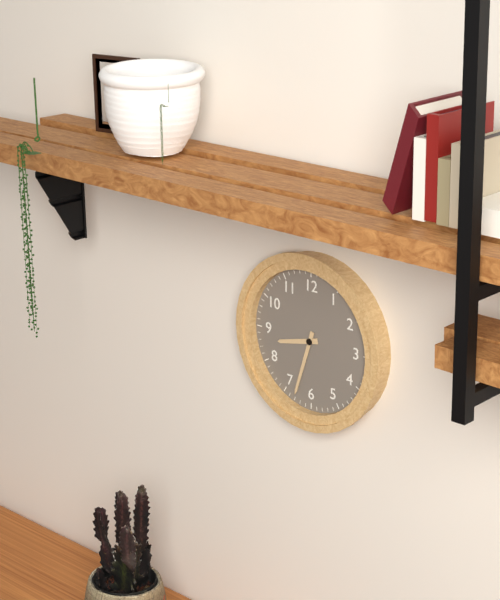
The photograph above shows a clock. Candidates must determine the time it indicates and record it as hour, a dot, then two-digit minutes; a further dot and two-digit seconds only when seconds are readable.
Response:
8.33
